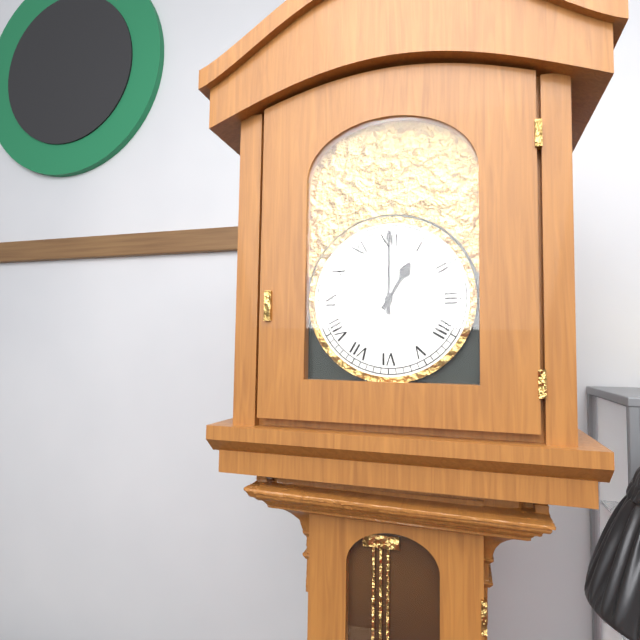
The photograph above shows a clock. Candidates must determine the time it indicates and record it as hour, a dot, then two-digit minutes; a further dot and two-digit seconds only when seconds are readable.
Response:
1.00
